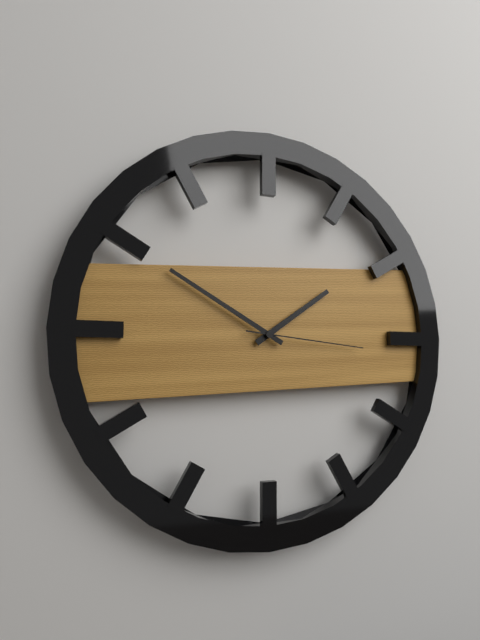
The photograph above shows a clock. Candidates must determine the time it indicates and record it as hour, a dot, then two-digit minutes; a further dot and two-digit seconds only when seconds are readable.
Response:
1.50.16
